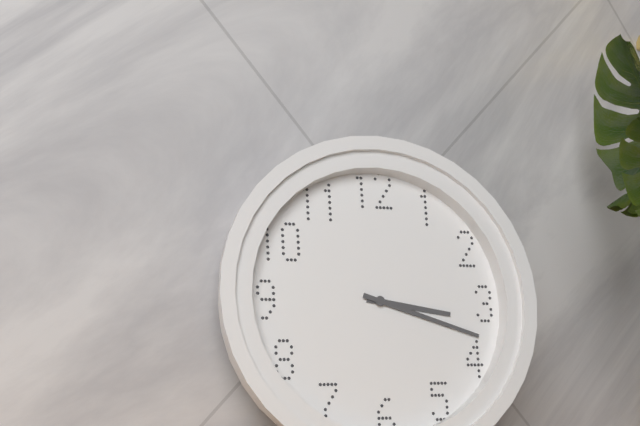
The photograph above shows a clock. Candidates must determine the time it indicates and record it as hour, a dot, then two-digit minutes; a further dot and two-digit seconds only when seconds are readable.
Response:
3.18
